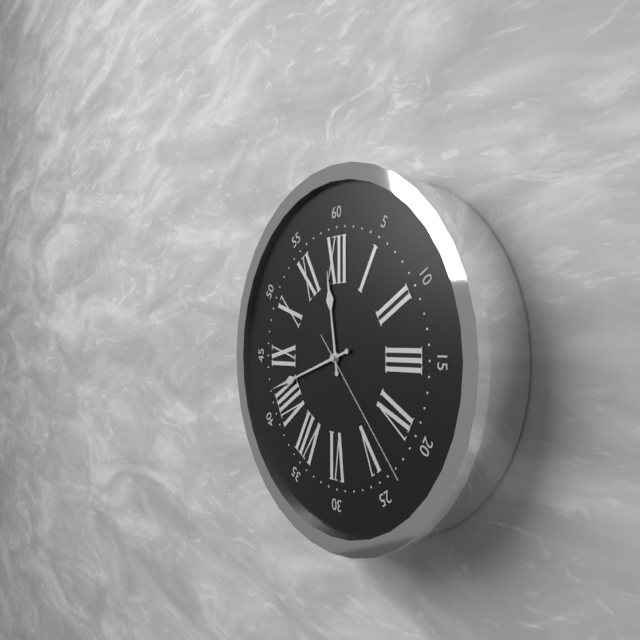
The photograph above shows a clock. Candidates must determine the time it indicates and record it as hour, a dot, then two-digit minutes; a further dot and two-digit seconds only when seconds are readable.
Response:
11.42.23
